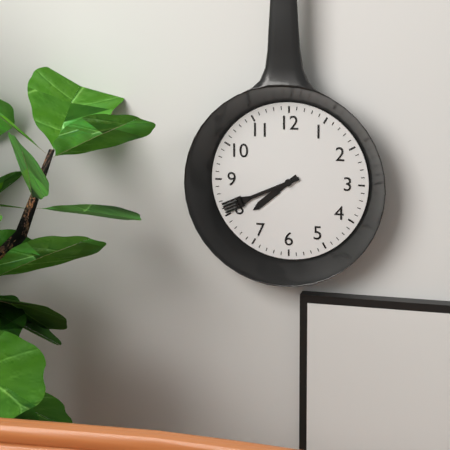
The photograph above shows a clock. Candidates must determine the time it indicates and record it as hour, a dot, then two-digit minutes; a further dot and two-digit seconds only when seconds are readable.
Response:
7.41
